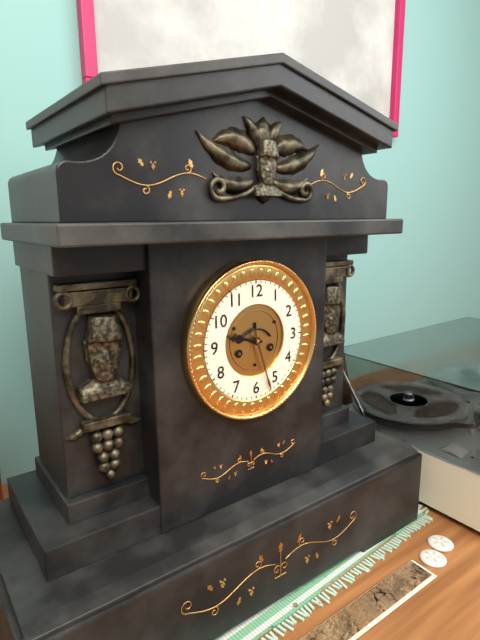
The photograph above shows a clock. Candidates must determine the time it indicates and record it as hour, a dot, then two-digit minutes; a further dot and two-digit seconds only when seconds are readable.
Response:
9.27
